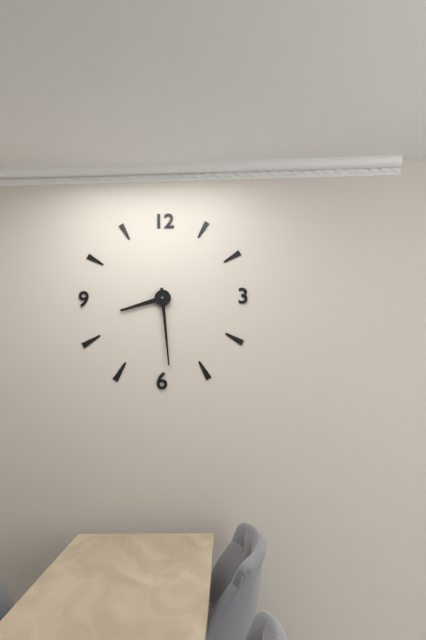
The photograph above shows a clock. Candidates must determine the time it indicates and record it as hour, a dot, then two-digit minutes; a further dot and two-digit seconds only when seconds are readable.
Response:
8.29
